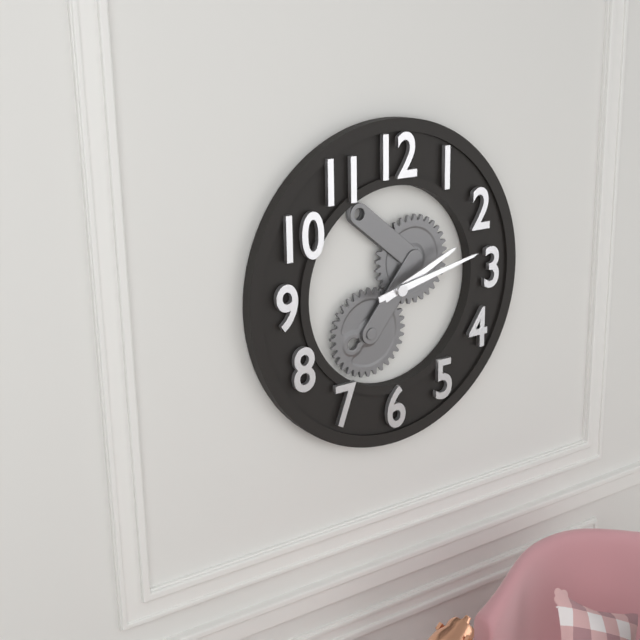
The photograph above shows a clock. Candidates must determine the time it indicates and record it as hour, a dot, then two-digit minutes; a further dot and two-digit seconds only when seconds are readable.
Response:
2.13
